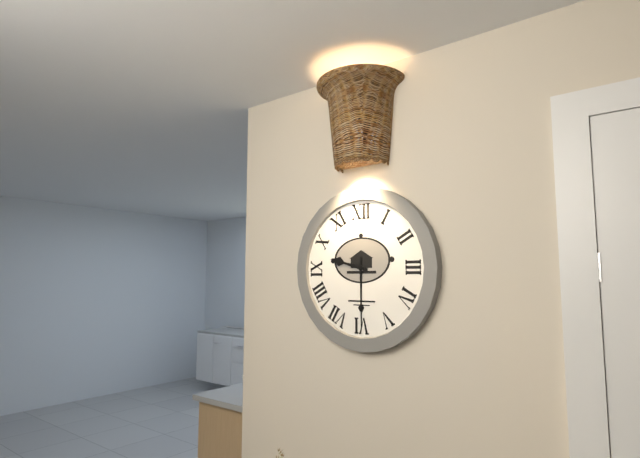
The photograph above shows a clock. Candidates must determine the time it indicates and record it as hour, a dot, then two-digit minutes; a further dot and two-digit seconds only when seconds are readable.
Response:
9.30
